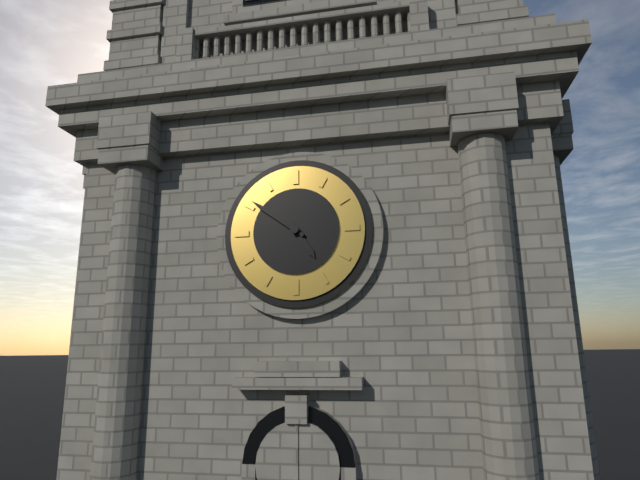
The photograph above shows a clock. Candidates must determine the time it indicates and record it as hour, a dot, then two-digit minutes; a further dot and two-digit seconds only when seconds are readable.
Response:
4.51
